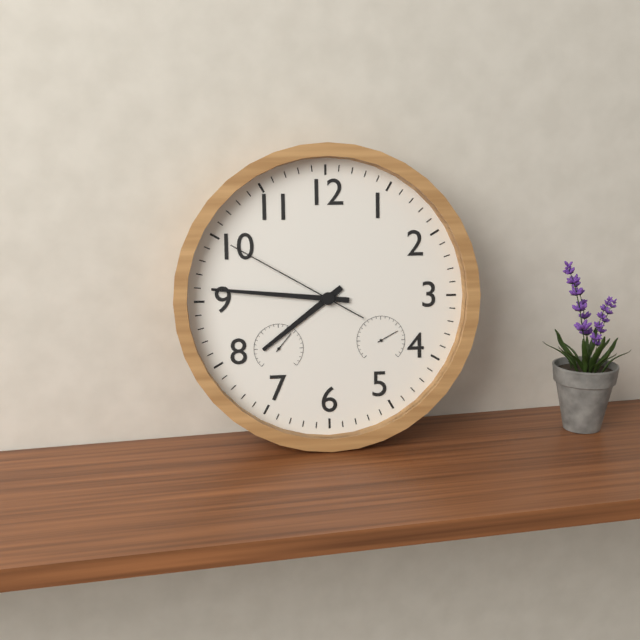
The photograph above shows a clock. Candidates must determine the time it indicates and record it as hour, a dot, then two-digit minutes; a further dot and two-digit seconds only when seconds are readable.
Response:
7.46.50
